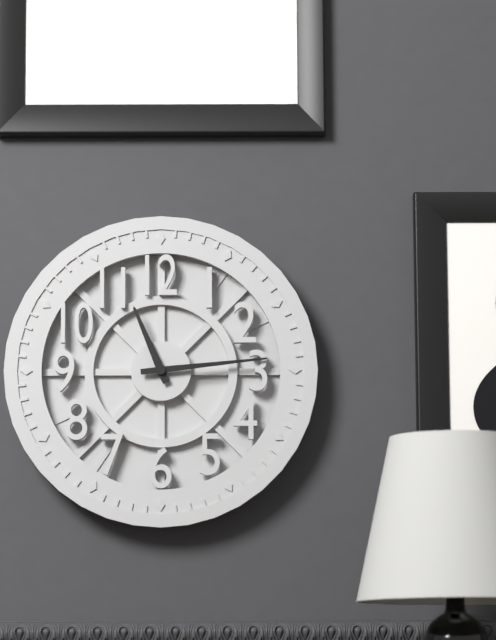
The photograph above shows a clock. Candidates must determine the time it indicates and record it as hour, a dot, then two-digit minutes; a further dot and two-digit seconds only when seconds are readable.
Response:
11.14
